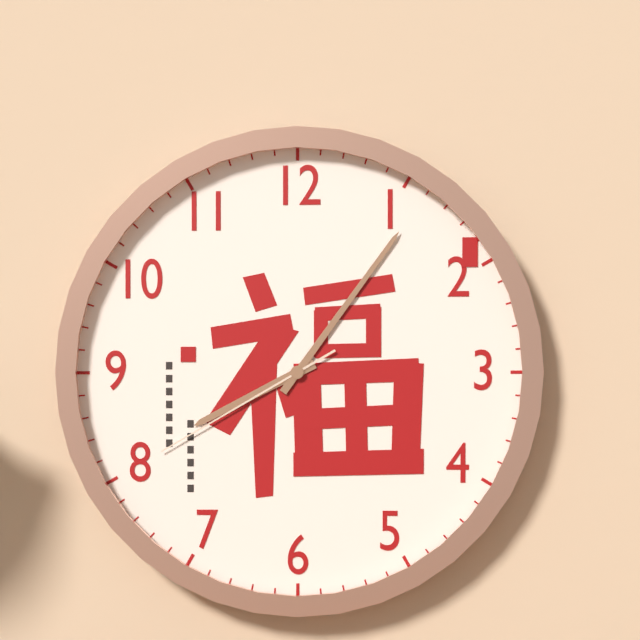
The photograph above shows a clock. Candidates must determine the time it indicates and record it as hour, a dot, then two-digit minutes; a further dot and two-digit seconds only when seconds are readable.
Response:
8.06.40
